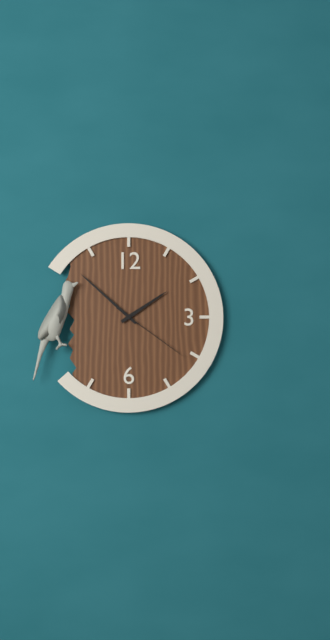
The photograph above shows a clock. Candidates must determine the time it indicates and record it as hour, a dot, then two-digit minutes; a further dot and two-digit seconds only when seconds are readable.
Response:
1.52.21
